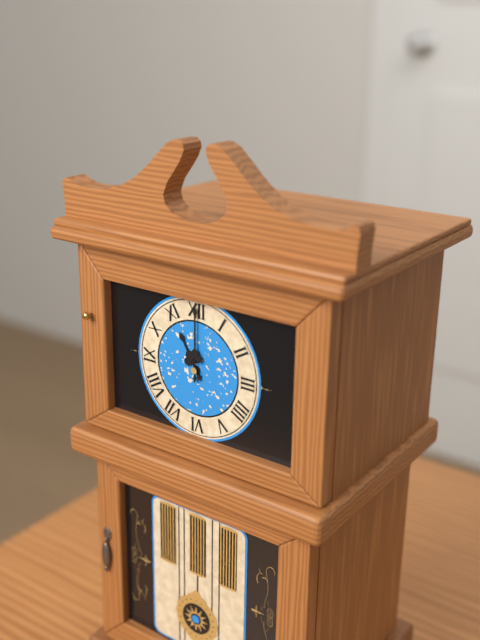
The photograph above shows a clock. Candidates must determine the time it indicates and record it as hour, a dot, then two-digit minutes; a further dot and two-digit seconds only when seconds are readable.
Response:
11.00
